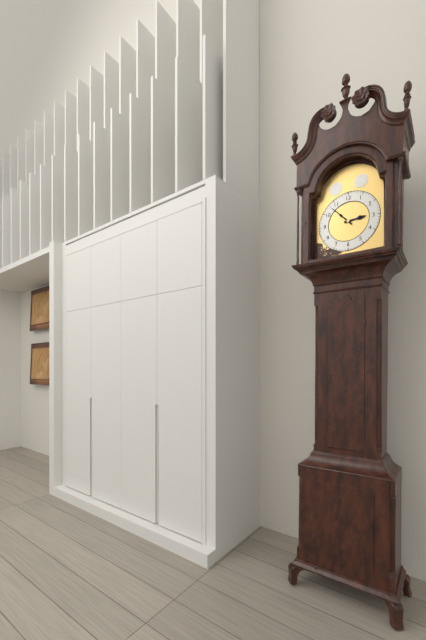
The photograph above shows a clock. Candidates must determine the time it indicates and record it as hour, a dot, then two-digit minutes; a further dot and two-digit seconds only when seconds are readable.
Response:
2.53
